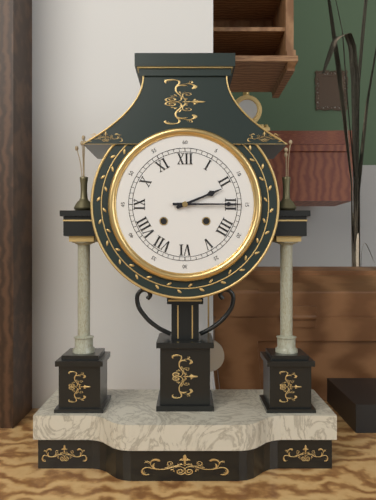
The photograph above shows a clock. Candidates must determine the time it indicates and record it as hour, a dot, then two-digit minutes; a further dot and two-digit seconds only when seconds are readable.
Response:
2.15
